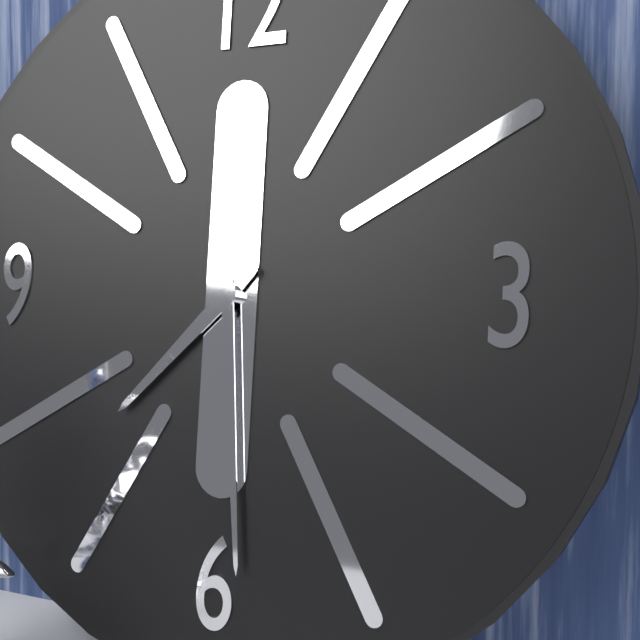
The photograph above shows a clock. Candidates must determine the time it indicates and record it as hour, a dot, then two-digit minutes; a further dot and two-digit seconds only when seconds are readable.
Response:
7.29
